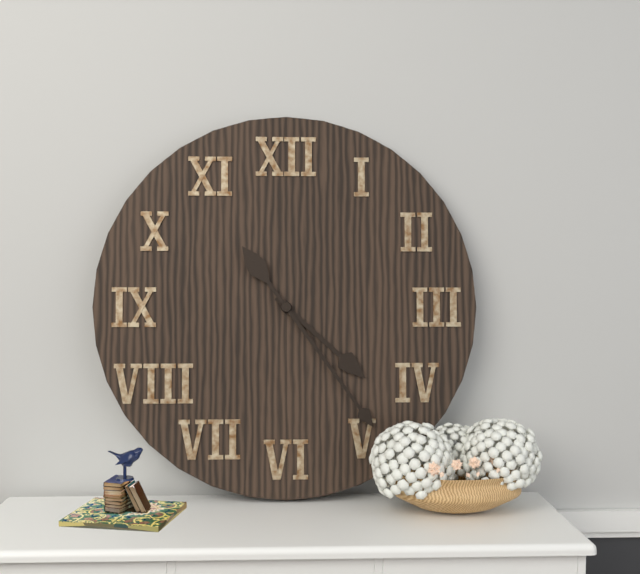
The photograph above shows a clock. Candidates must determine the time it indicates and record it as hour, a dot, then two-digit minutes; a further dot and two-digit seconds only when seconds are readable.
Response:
4.24
